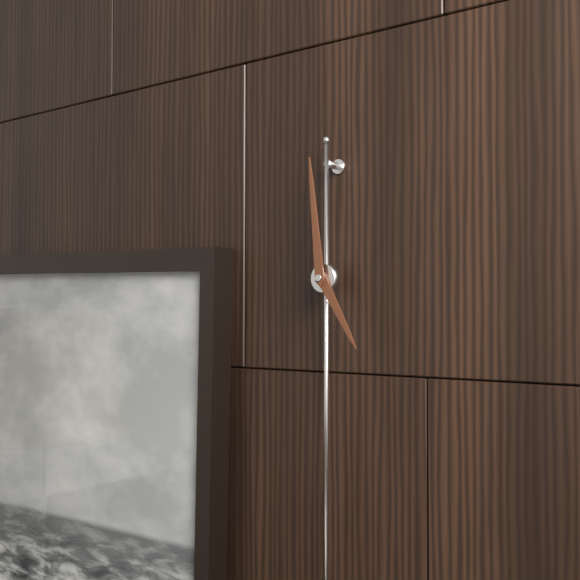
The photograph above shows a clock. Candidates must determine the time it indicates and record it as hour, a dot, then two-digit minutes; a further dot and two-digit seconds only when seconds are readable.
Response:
4.59
